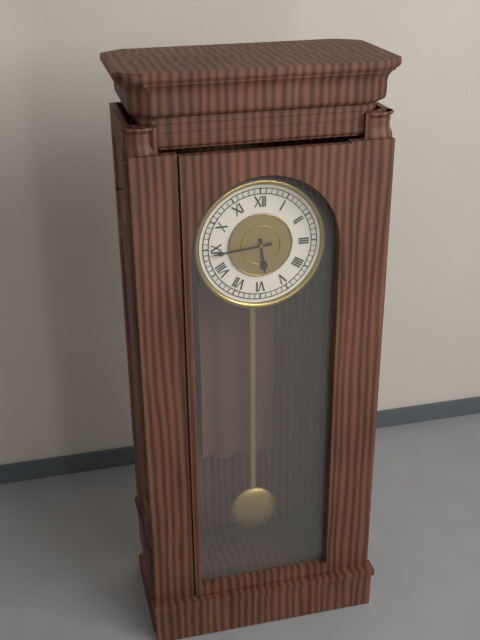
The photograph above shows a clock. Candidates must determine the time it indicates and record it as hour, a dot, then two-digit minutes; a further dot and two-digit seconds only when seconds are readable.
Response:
5.44
